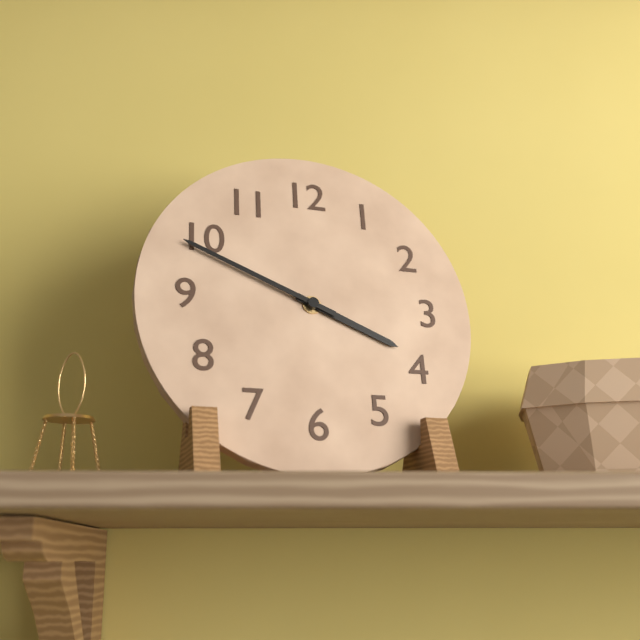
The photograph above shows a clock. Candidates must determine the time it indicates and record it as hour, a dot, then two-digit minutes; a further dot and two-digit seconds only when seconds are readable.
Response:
3.49
